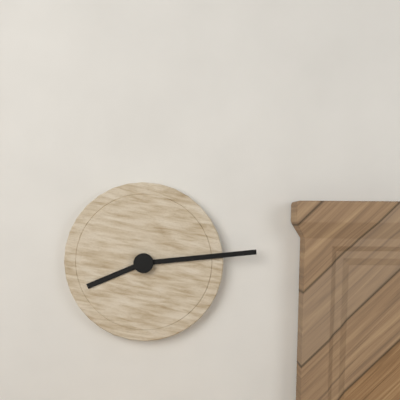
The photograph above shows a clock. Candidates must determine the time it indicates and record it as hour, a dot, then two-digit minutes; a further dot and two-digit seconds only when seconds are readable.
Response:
8.14
